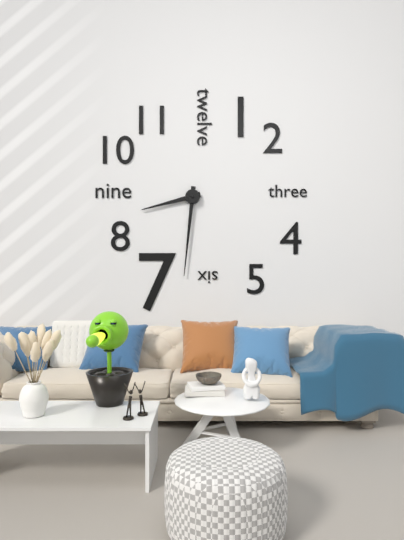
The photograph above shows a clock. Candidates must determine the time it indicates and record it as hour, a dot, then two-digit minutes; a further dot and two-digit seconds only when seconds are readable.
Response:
8.31
